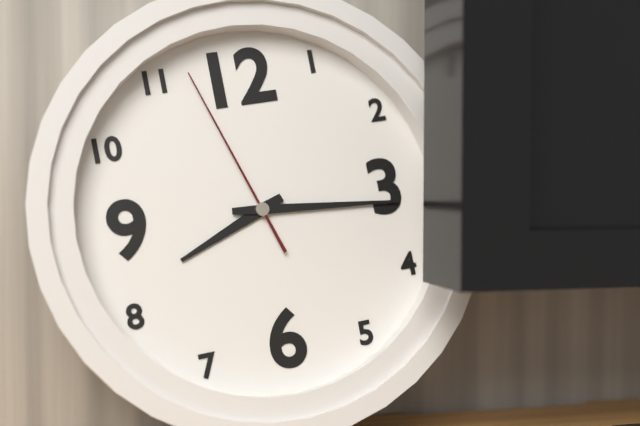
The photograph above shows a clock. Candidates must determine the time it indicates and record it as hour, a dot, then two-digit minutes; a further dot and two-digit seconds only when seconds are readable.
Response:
8.16.57
